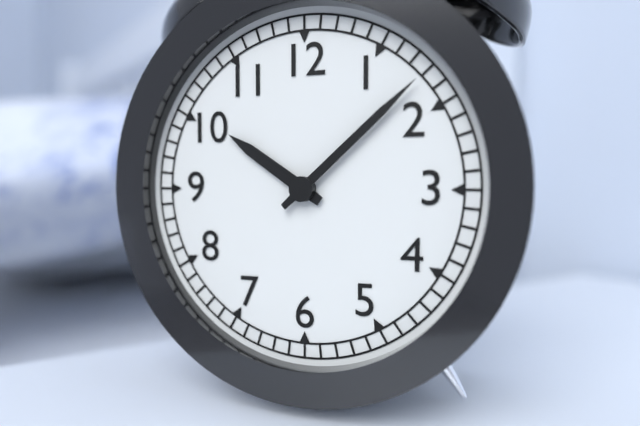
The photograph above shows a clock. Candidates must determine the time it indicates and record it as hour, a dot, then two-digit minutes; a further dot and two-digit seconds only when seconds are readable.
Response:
10.08
